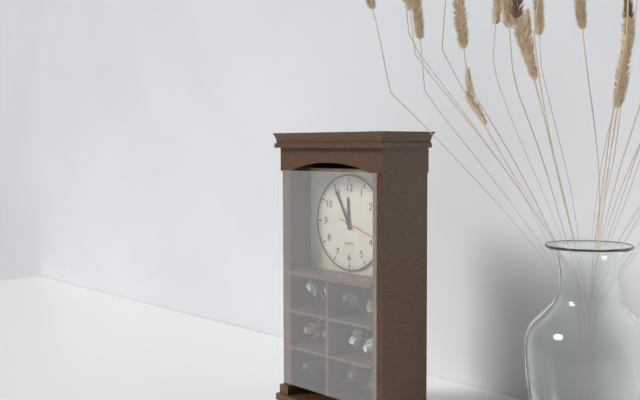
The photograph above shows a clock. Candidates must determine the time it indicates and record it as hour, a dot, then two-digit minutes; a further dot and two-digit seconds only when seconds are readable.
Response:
11.55
